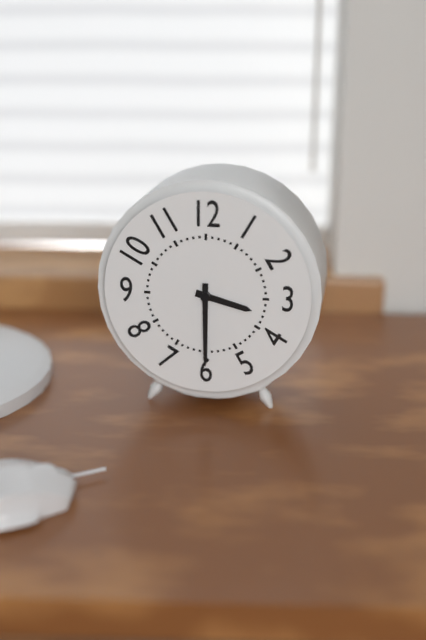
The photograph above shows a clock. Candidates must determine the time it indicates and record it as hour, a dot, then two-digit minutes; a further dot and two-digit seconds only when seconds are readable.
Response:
3.30
